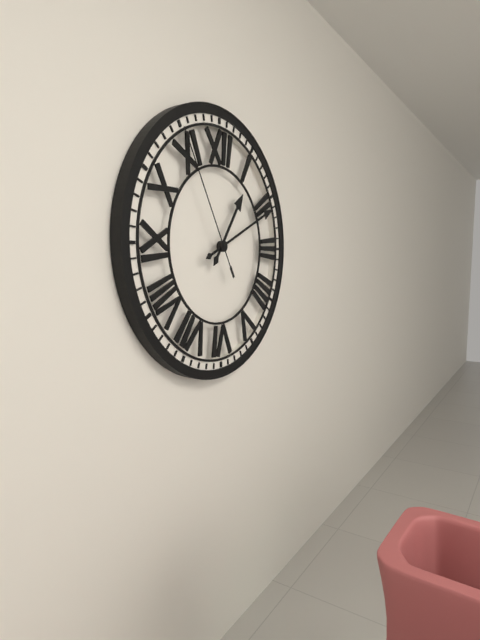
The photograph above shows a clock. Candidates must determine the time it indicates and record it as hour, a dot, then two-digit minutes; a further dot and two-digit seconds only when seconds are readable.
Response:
1.11.55
